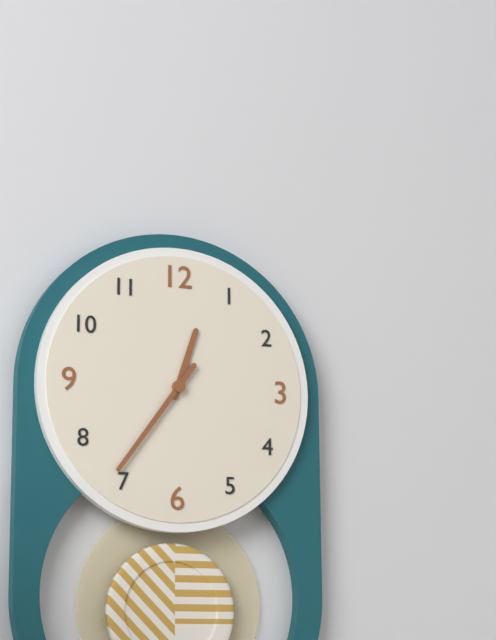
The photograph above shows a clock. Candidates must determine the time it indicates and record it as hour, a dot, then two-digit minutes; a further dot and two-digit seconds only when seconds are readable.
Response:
12.36
